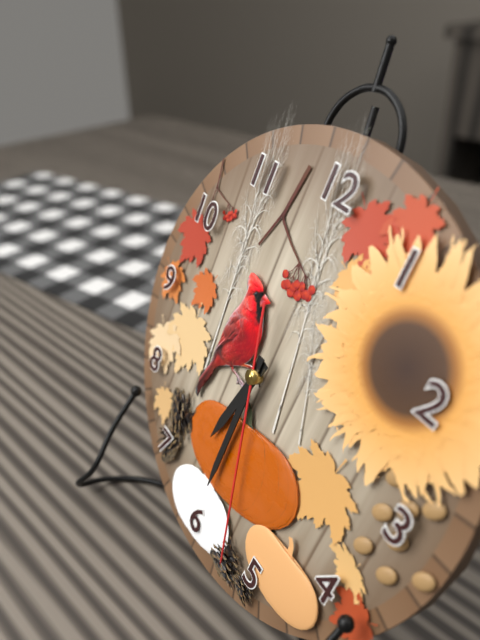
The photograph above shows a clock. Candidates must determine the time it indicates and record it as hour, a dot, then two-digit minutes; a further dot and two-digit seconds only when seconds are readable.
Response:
6.30.27
